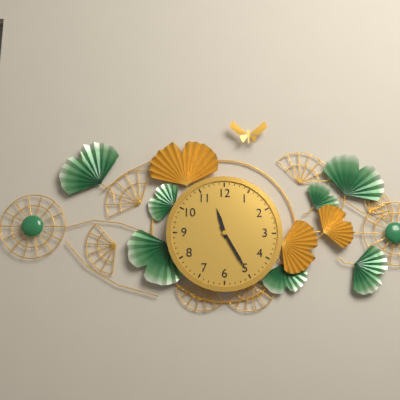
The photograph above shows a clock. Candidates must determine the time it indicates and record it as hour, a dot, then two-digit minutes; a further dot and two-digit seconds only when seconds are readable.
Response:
11.25
